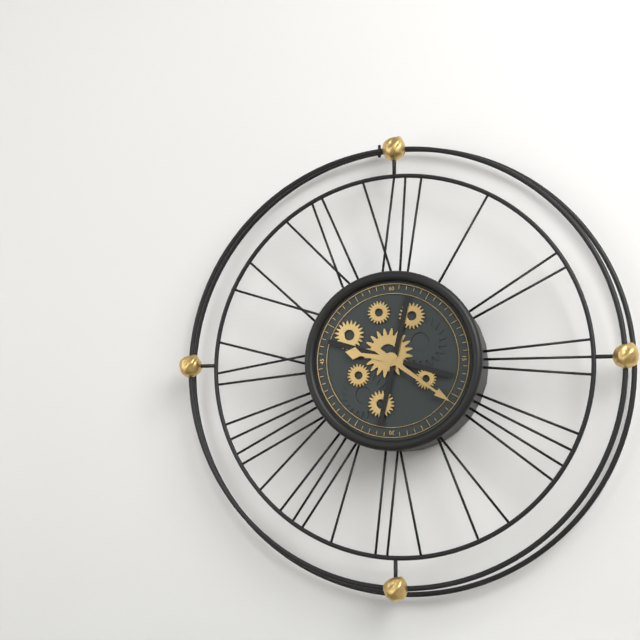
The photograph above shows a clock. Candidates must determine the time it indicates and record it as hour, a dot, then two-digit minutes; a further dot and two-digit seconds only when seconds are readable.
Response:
9.21
